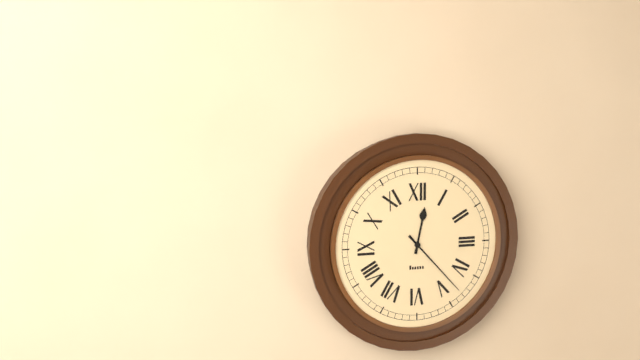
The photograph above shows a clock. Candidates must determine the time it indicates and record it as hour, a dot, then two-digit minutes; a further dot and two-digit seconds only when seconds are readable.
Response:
12.23
